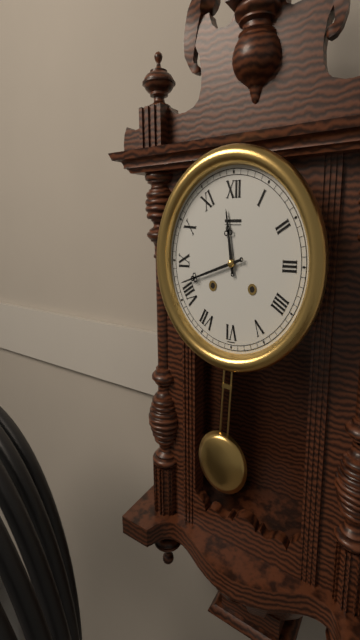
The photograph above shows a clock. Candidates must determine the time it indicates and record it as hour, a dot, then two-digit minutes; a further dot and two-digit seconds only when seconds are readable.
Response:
11.42
